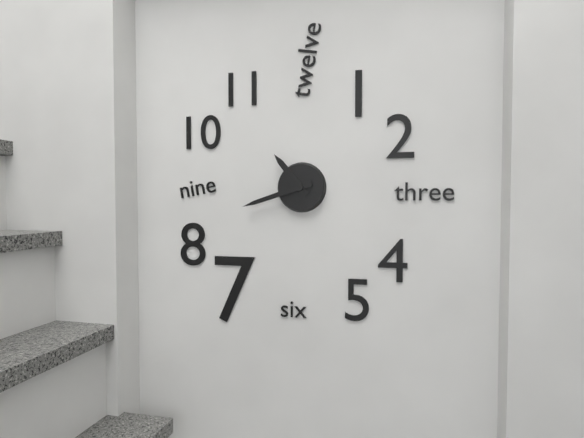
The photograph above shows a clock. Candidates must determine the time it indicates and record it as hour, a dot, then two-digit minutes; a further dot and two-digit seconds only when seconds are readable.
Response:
10.42
